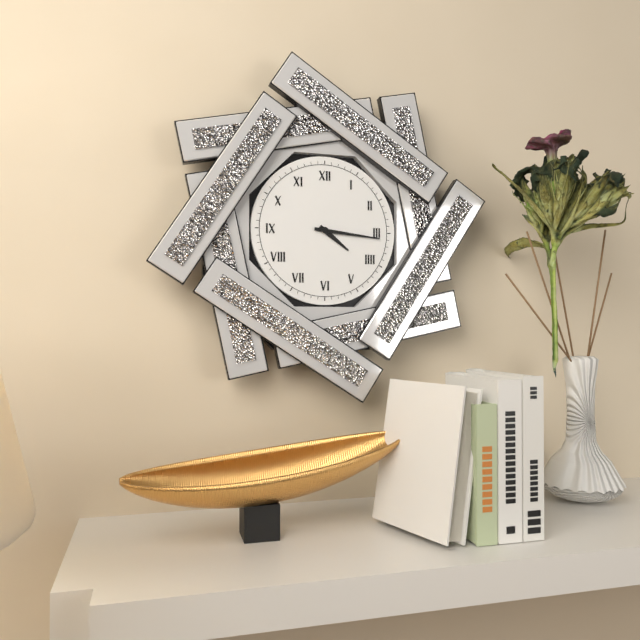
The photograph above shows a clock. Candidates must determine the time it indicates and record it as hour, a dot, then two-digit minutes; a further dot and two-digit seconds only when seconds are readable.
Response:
4.16
